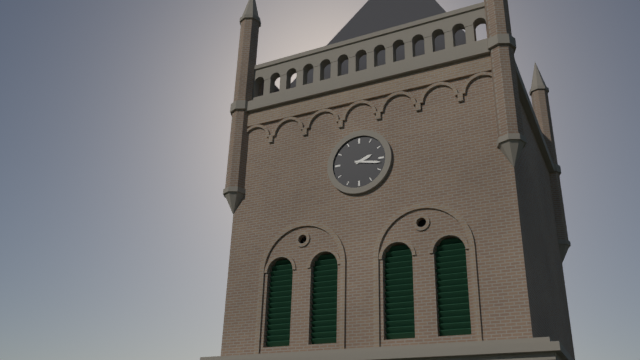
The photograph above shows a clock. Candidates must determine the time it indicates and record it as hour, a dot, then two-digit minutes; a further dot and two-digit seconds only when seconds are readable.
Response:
2.17
